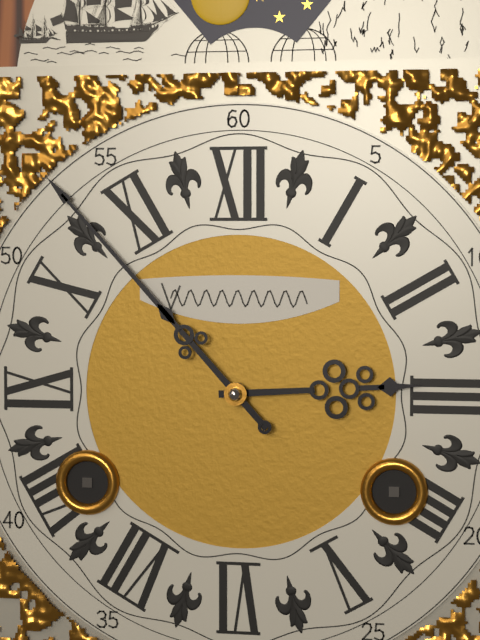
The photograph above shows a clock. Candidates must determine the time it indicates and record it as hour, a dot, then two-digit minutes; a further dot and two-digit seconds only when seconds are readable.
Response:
2.53
